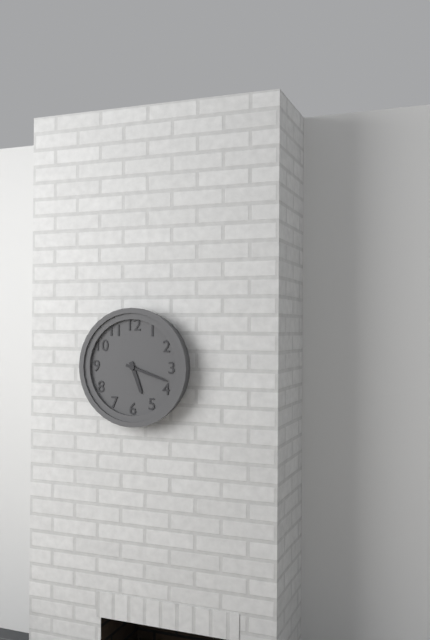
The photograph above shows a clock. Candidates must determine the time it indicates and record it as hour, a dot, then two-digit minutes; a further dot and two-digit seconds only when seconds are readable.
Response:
5.18
